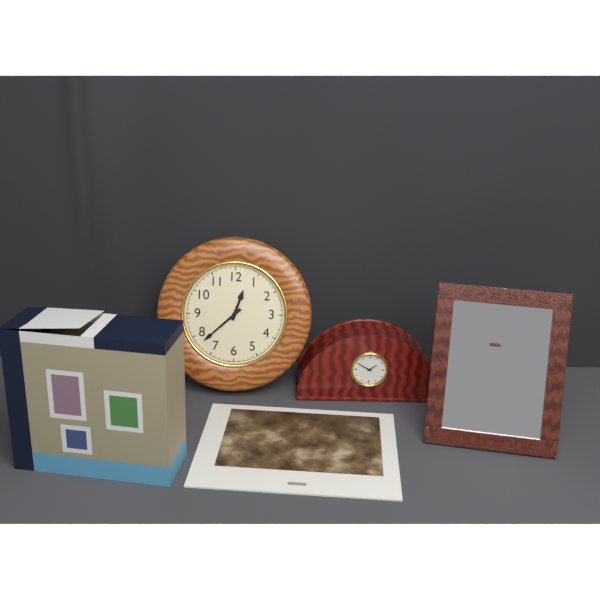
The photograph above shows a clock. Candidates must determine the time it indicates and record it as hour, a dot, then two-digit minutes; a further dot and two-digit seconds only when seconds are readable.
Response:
12.38
